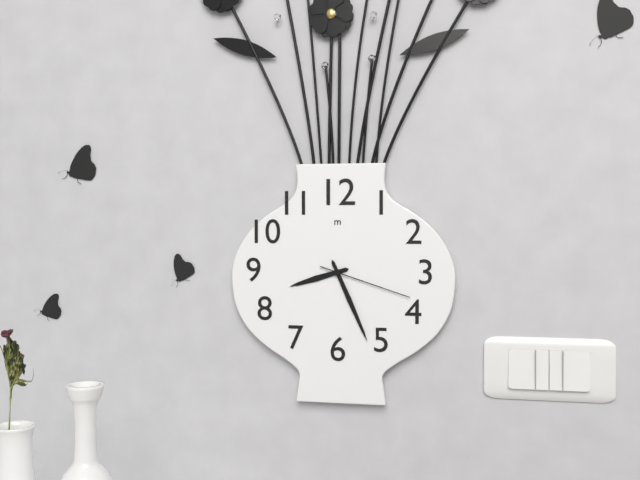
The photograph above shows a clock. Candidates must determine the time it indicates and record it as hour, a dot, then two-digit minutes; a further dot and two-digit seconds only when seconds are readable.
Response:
8.26.18
